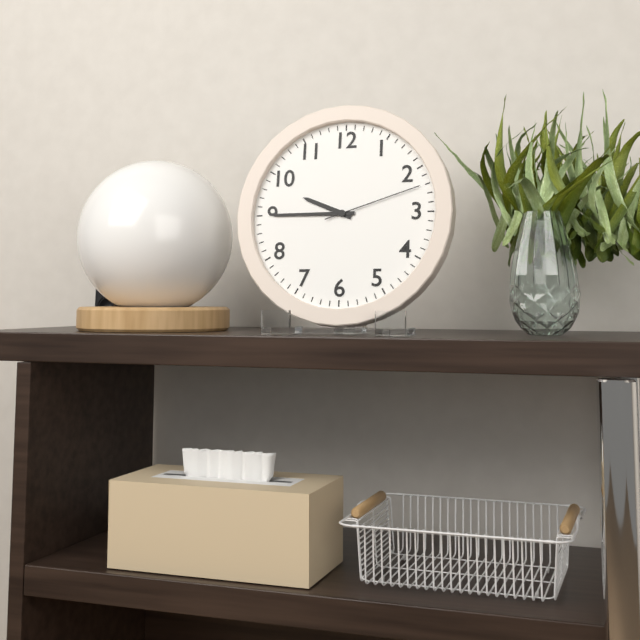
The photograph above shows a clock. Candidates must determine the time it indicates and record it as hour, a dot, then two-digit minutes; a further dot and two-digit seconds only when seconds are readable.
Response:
9.45.12
